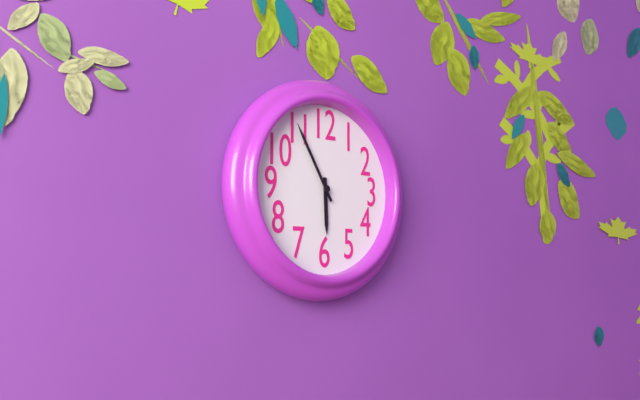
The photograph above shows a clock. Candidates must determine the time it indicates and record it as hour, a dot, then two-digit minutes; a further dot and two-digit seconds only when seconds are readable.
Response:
5.55
